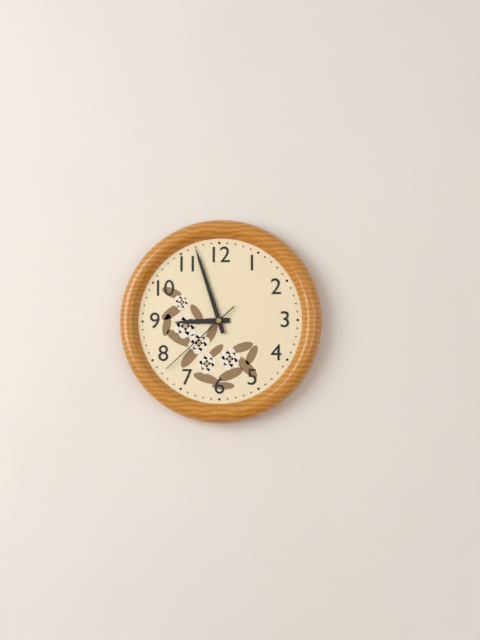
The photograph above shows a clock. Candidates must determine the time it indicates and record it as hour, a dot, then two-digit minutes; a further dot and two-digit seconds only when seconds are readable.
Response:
8.57.38
